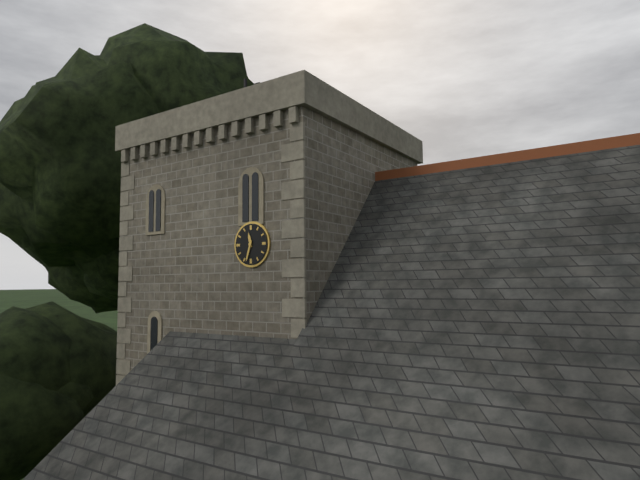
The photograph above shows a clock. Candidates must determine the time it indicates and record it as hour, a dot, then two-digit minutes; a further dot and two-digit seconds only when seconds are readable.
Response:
11.33
